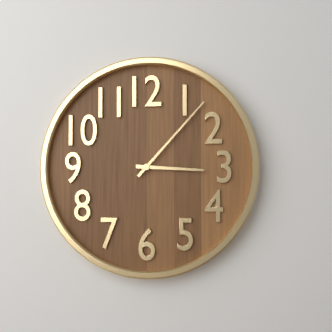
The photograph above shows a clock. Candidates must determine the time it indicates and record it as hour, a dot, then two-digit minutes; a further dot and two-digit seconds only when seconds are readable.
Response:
3.07
